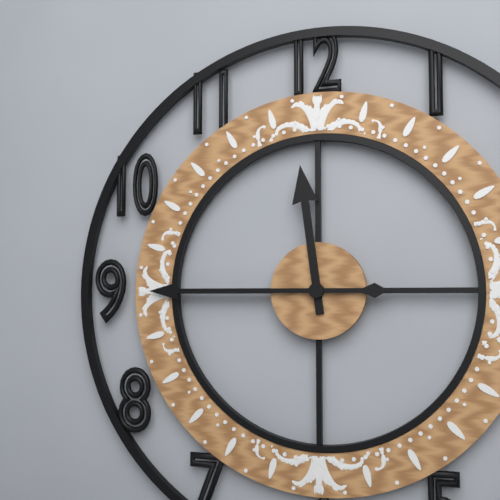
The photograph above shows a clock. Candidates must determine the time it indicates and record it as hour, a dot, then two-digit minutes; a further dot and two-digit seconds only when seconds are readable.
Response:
11.45
